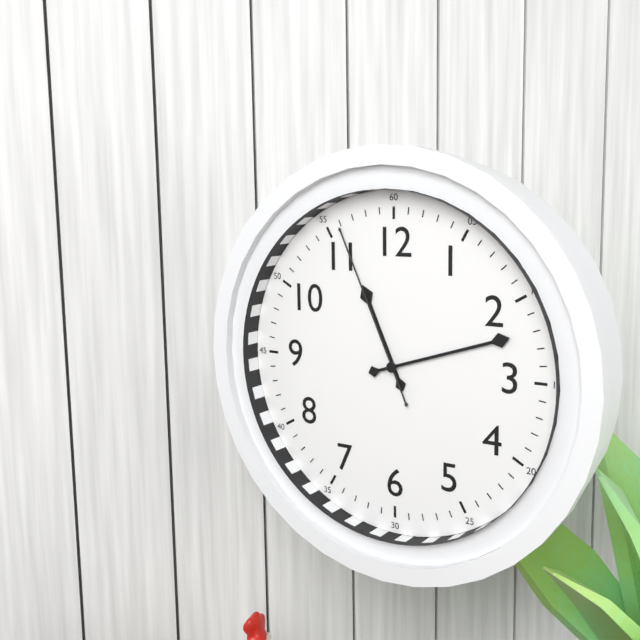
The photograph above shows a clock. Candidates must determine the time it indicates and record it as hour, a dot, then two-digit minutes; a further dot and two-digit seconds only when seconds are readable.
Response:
11.12.56
